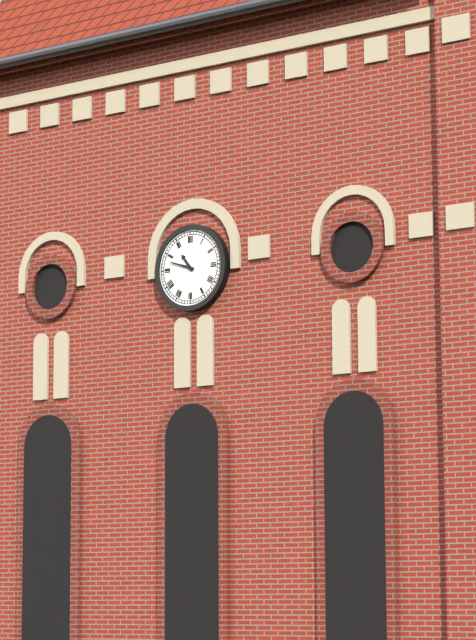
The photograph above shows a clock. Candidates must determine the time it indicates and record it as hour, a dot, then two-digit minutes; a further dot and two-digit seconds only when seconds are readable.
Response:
10.48
